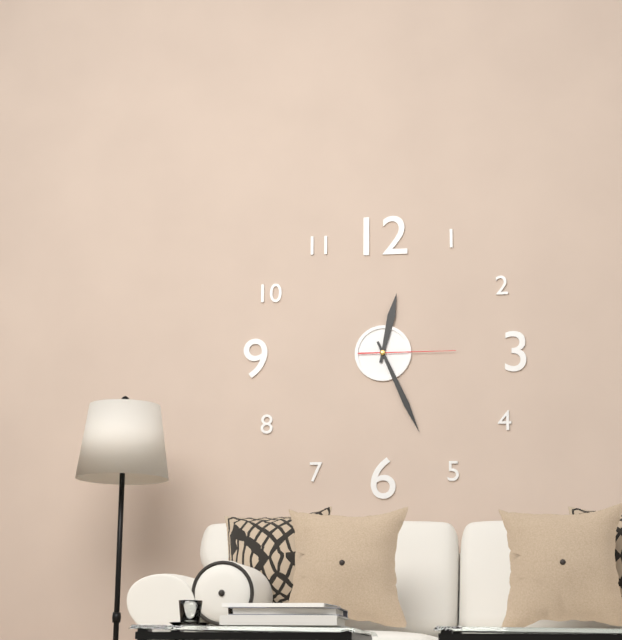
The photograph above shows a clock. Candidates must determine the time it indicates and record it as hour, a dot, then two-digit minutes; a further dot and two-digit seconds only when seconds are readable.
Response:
12.26.15
